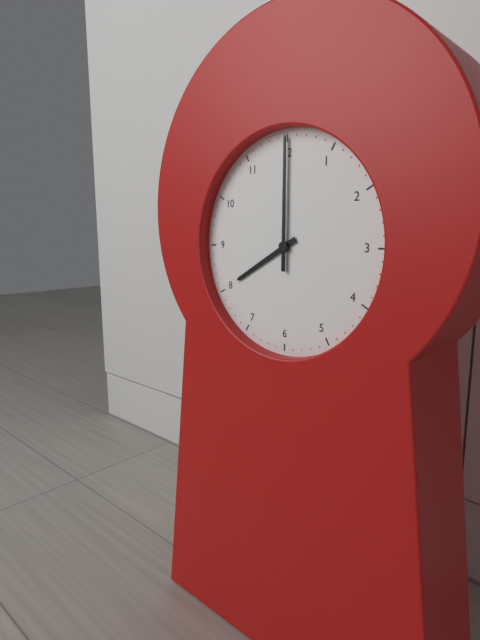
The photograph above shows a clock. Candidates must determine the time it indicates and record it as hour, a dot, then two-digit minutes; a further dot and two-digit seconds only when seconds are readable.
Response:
8.00
